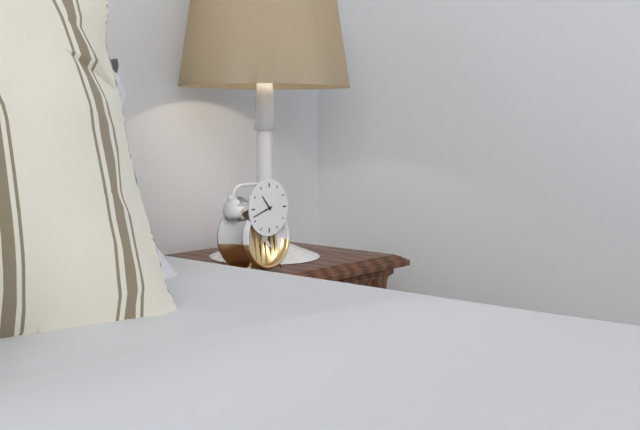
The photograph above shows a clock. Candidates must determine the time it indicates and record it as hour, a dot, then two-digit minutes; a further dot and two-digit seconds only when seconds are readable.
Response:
10.42
